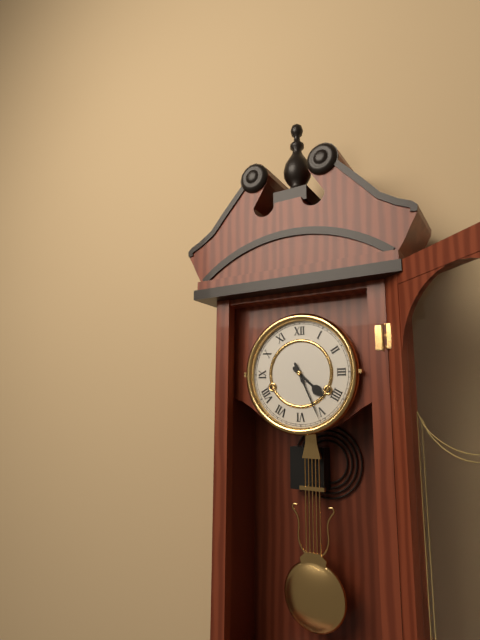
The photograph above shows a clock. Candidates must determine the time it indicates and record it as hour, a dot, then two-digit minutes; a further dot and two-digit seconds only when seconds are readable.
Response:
4.26
